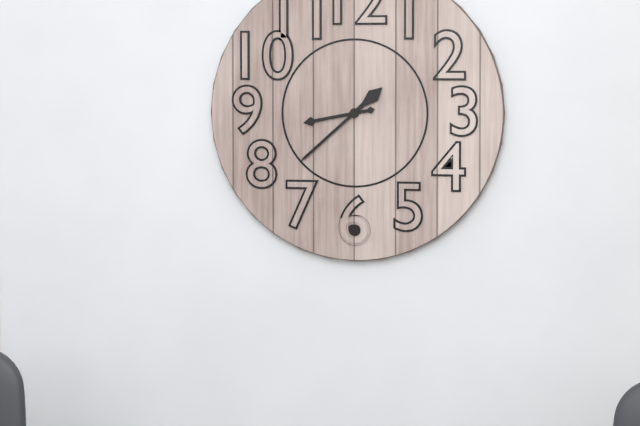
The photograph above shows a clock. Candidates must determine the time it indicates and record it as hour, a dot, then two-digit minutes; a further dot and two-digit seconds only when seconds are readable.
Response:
8.38
